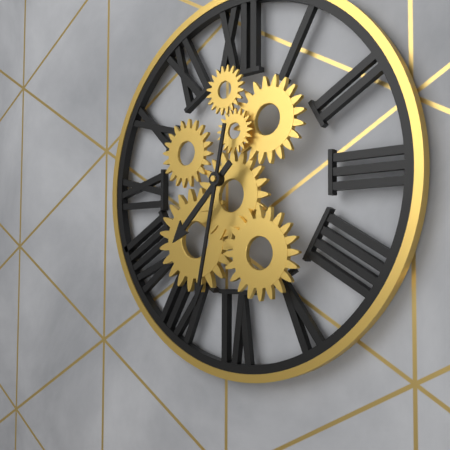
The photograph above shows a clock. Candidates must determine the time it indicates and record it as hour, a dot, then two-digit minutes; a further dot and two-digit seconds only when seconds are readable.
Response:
7.32
